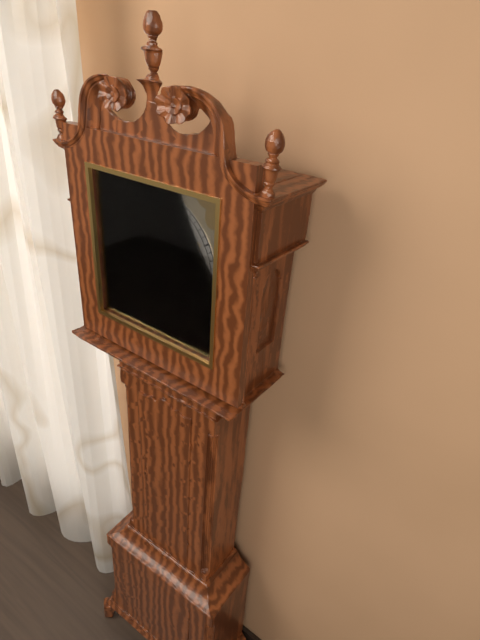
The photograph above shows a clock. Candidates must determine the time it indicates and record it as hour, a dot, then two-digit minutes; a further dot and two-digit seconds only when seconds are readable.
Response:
10.00
